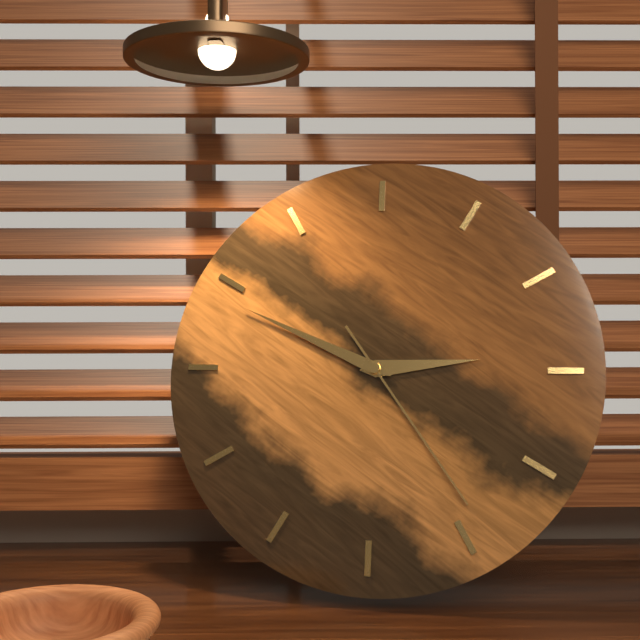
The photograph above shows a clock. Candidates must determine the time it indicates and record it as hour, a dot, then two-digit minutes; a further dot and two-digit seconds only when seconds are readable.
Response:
2.49.24
